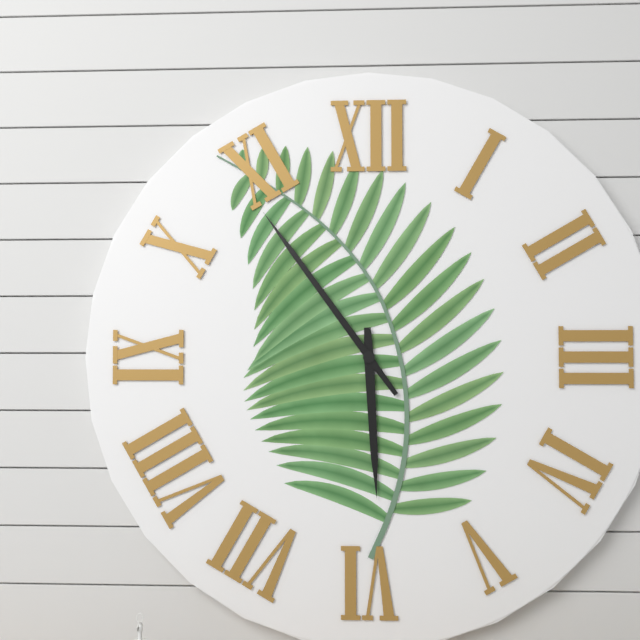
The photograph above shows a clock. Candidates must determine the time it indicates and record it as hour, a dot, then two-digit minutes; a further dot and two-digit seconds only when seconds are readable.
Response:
5.54
